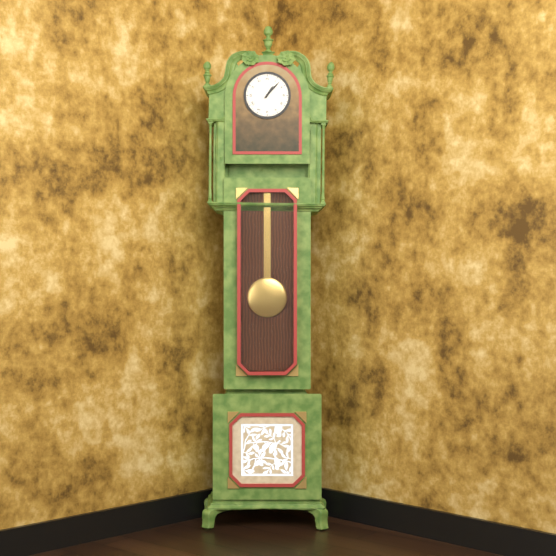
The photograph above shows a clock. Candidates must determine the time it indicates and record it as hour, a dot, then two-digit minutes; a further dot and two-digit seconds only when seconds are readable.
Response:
1.07
